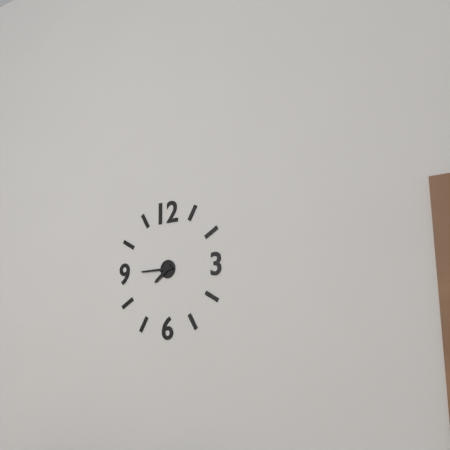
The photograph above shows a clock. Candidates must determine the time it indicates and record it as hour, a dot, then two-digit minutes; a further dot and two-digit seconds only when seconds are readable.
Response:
7.45
